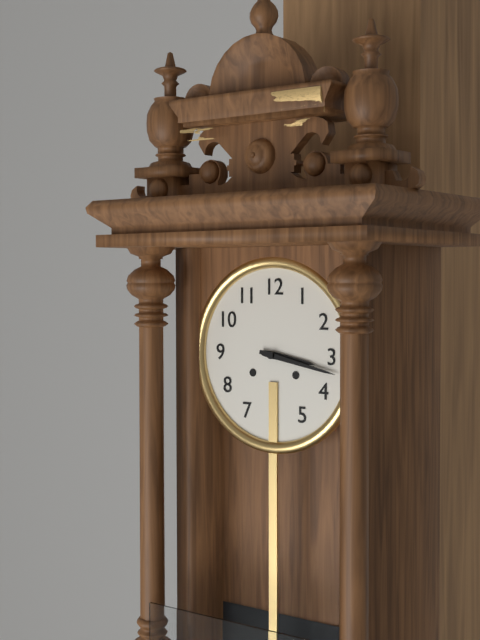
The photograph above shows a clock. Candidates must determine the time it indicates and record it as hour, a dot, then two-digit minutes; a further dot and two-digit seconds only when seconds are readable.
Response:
3.17
